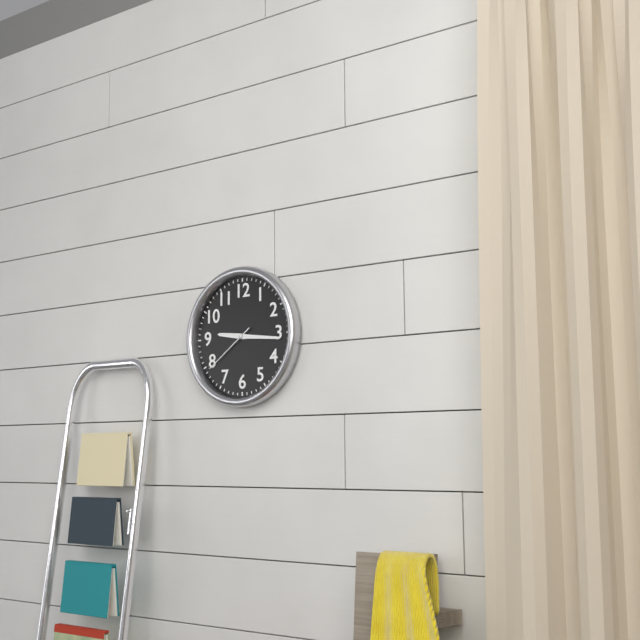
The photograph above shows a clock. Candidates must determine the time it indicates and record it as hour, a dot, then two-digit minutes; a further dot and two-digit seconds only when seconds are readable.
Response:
9.16.39
